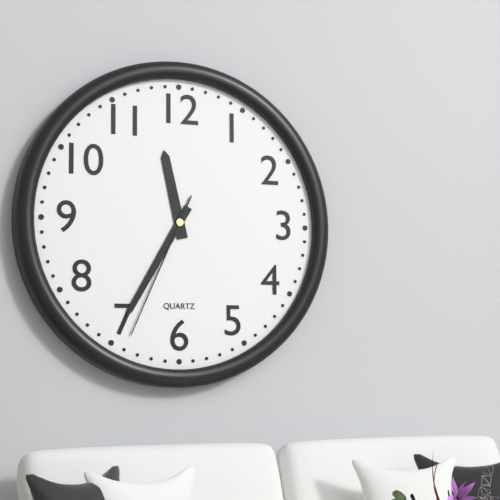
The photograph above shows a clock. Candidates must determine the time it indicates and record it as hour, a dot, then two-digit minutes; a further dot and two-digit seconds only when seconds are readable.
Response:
11.35.34
